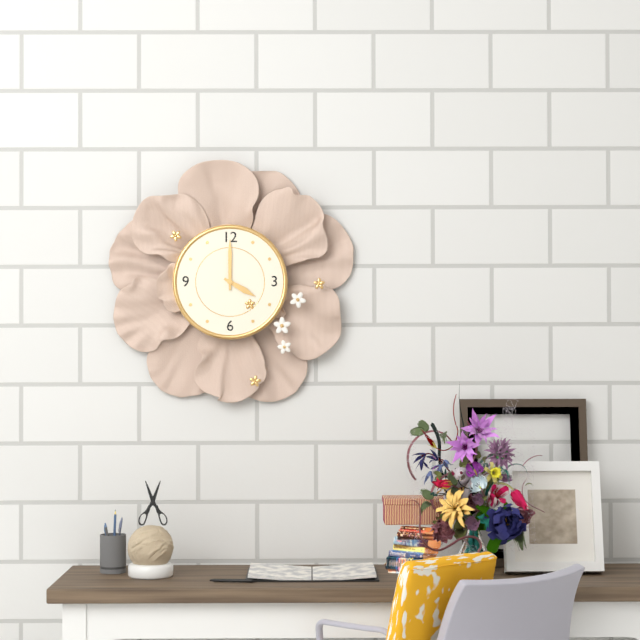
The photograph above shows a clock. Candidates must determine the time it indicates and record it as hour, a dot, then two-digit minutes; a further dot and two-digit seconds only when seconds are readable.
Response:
4.00
